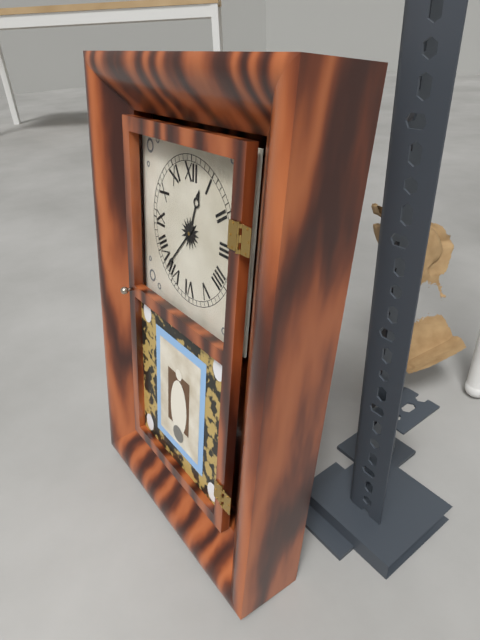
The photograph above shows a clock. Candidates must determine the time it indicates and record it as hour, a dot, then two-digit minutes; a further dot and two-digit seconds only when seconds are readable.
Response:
12.37
